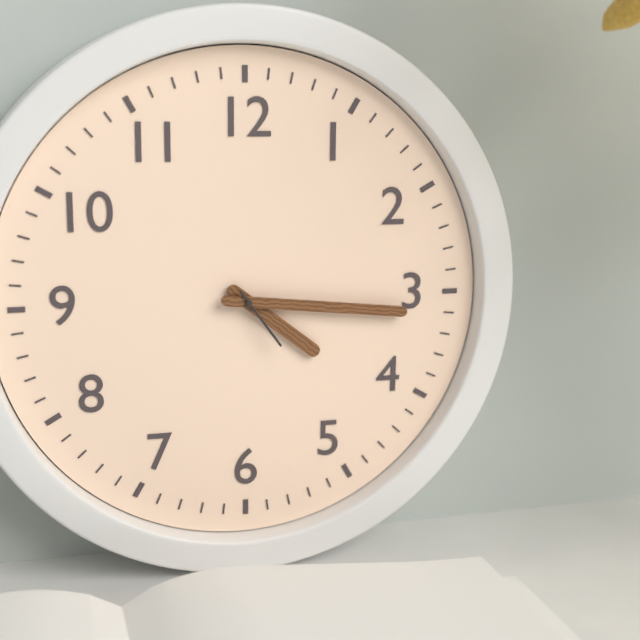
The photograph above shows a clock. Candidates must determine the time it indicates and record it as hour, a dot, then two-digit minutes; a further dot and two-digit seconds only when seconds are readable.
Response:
4.16.24
